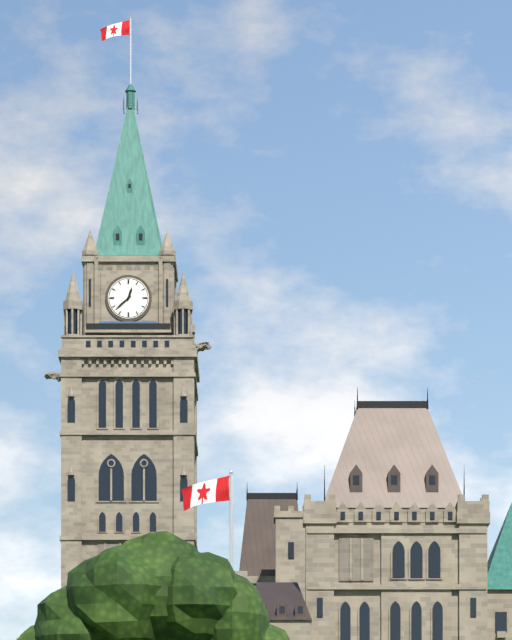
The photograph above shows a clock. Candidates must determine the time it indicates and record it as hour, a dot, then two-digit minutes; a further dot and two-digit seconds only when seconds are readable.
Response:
12.38
